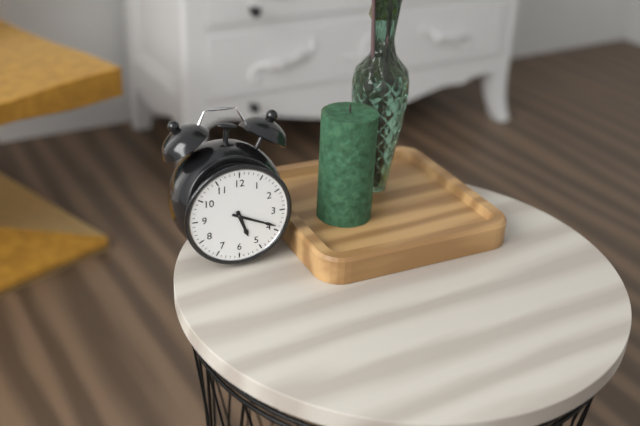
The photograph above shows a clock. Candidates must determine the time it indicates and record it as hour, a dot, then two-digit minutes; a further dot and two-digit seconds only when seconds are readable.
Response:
5.19
